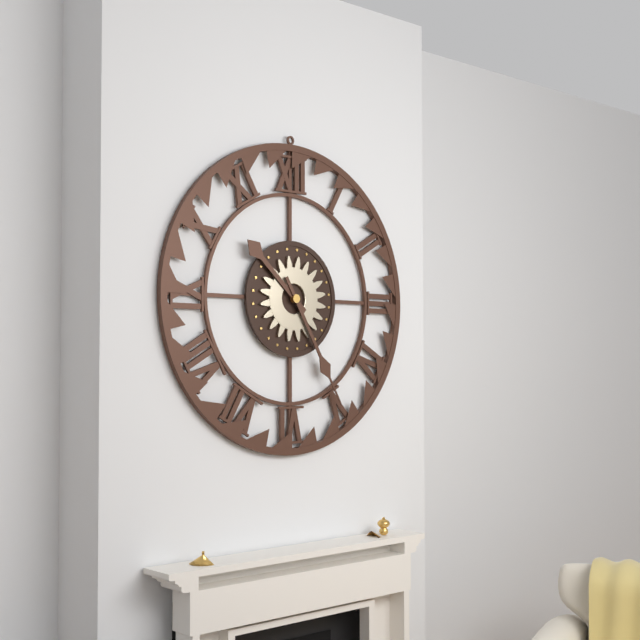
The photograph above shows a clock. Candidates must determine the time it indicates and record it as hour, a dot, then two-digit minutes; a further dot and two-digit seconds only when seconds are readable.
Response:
10.25
